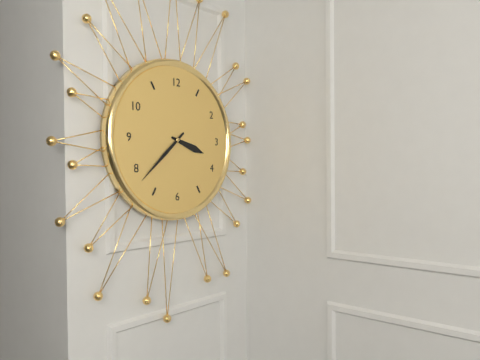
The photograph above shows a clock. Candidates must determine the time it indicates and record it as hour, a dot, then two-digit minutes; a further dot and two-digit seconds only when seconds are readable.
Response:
3.38
